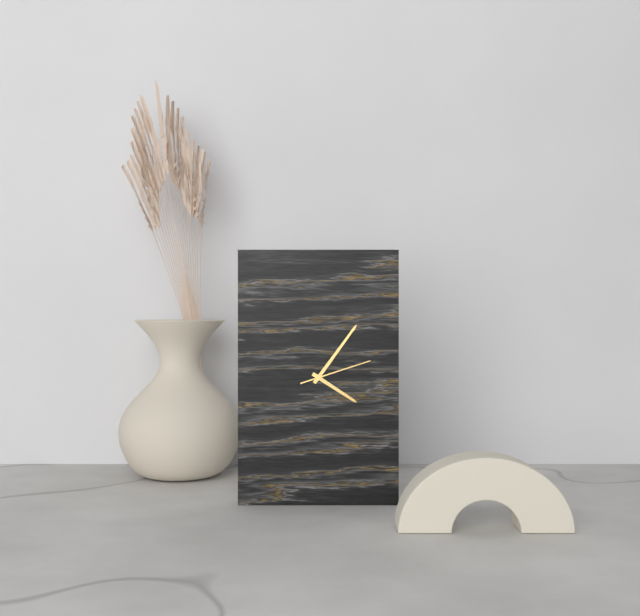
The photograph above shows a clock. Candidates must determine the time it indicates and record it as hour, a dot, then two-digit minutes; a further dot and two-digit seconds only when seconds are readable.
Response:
4.06.12
